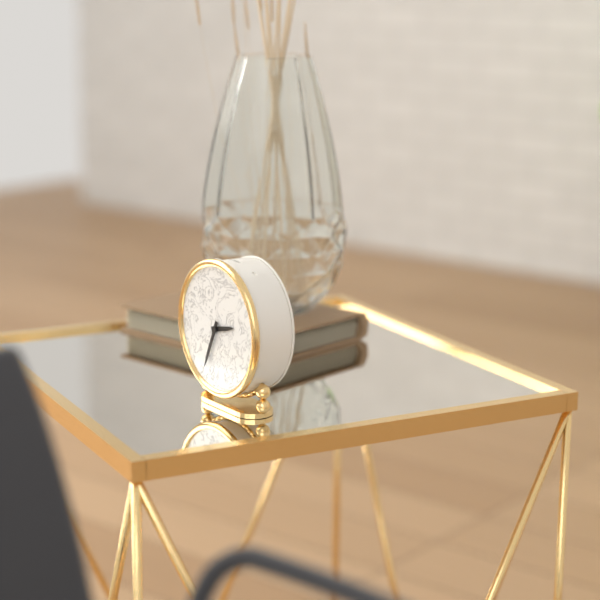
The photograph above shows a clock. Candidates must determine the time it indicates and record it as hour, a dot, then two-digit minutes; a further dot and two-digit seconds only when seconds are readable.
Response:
2.34
